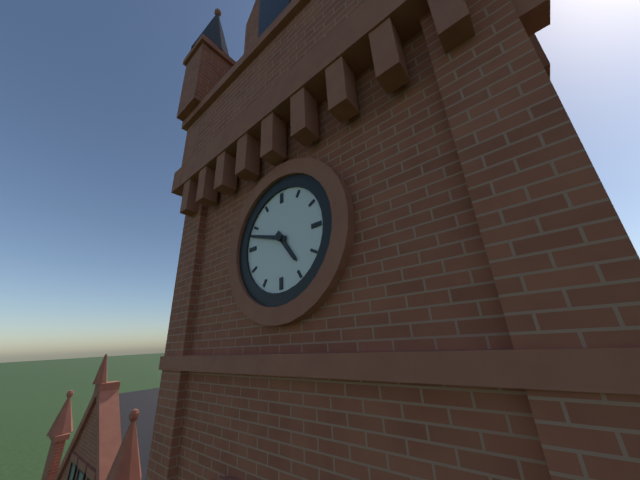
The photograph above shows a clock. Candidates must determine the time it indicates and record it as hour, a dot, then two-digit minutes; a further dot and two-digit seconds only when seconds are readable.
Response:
4.48
